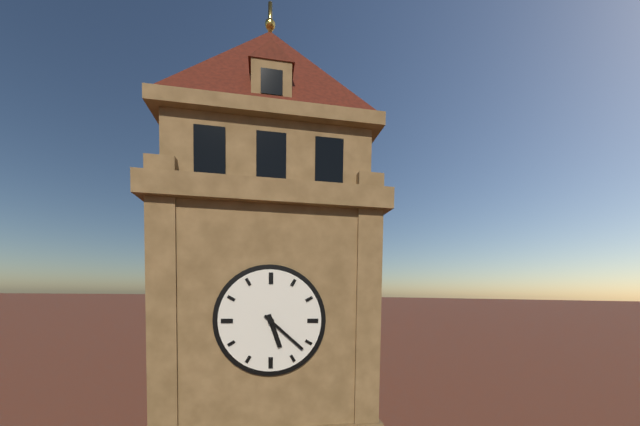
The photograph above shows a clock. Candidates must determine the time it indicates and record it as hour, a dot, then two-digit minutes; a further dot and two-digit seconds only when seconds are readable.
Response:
5.22
